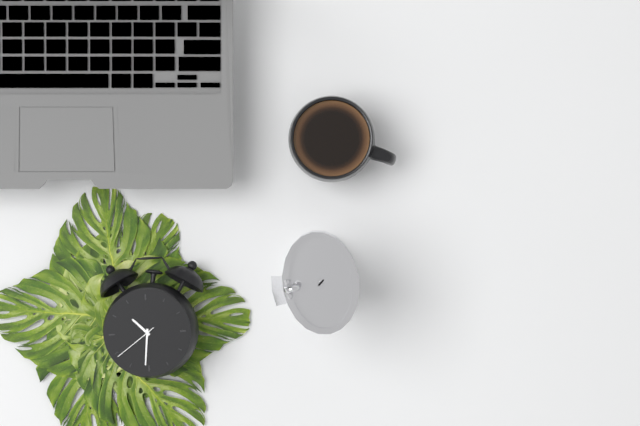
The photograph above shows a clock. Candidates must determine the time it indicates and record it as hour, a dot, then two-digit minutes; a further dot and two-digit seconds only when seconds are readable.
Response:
10.31
